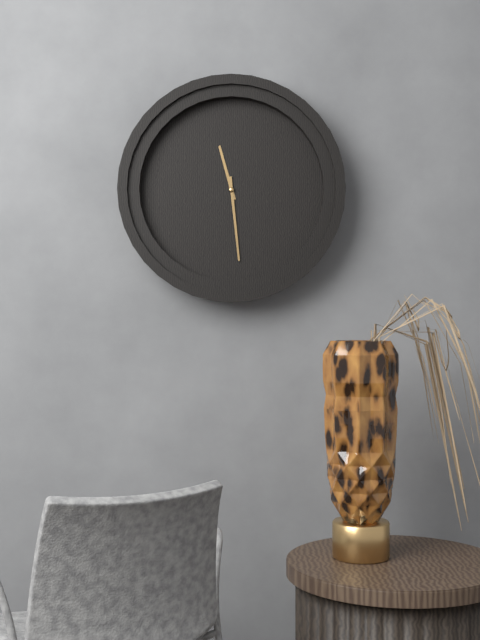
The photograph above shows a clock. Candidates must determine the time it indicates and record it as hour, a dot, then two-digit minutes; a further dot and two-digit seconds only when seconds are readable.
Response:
11.29
